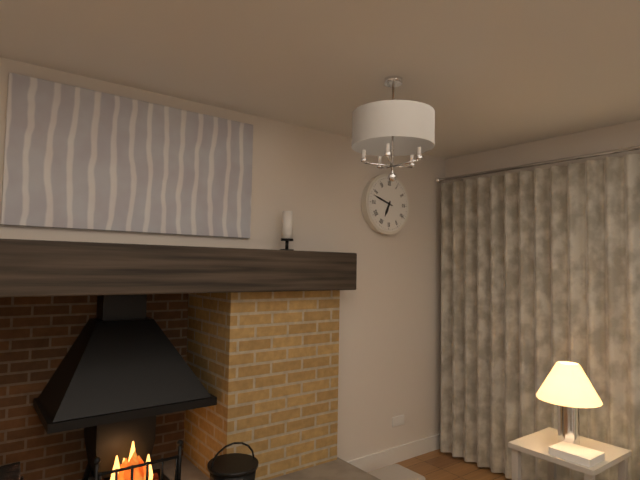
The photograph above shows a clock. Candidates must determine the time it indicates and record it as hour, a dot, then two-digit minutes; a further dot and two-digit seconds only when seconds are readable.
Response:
6.48
